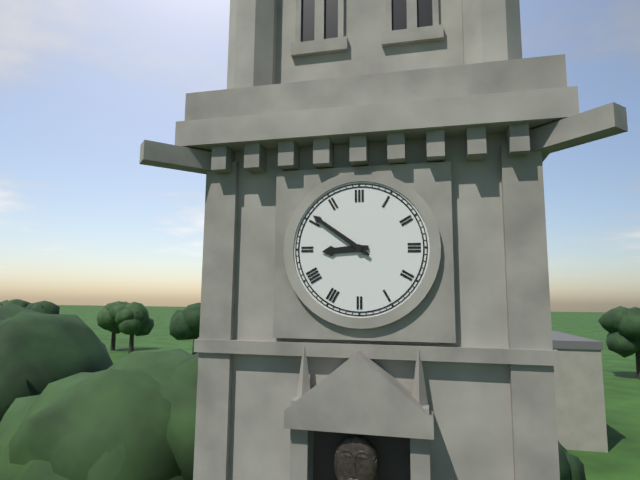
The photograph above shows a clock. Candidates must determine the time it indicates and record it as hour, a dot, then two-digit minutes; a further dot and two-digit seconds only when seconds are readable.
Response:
8.51
